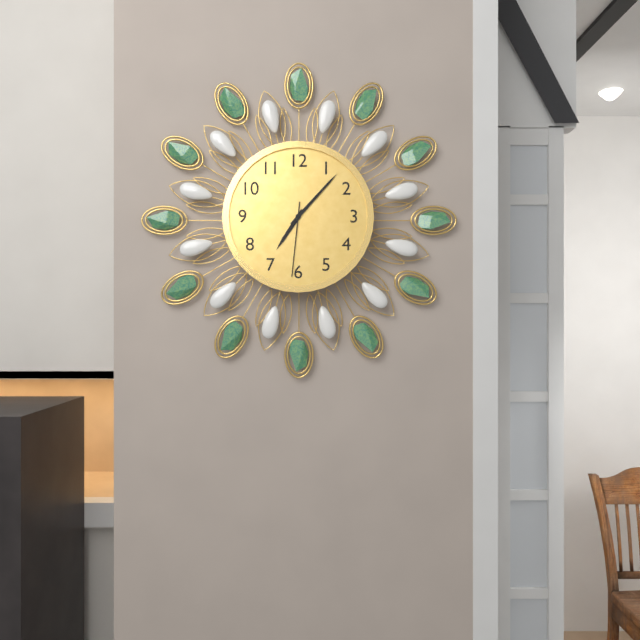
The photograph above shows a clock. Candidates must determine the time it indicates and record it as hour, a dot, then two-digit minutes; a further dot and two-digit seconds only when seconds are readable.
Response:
7.07.31
